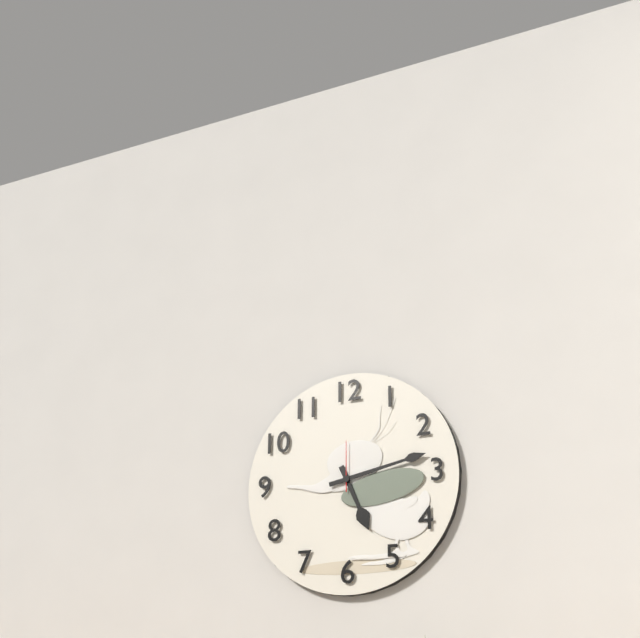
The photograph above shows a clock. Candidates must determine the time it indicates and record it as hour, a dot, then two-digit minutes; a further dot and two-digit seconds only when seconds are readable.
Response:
5.13
